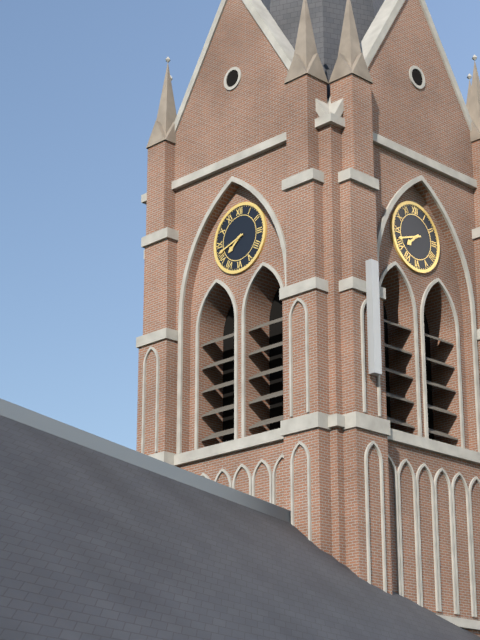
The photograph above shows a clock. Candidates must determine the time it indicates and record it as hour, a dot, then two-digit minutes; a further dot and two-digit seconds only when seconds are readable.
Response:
7.42
